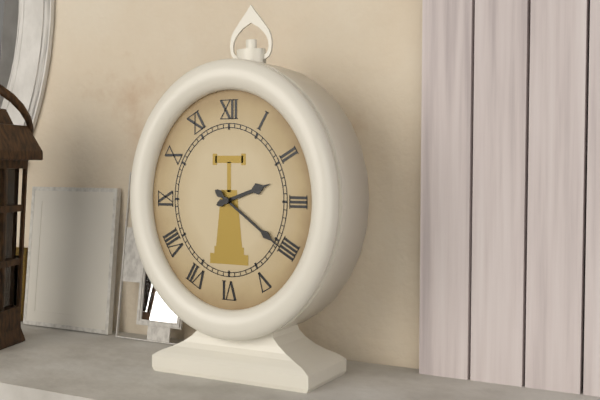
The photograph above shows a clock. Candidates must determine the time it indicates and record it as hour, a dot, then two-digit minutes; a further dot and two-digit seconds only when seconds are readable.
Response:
2.21
